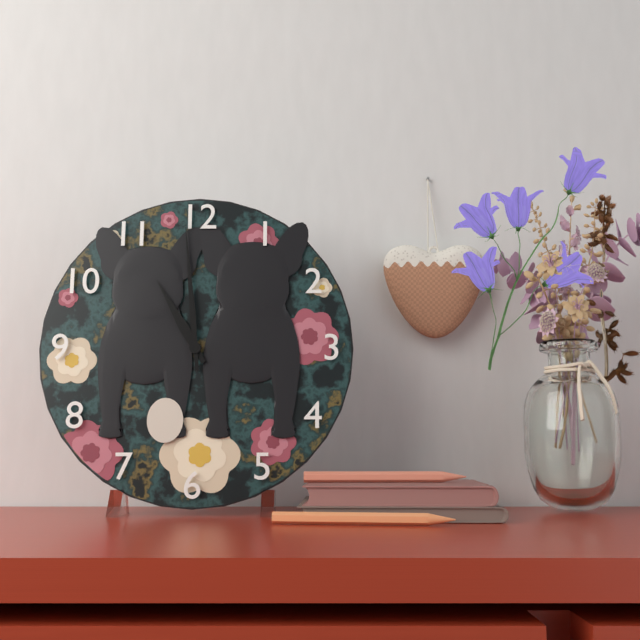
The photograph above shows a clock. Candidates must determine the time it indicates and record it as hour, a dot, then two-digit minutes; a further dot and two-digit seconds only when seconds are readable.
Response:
10.59
